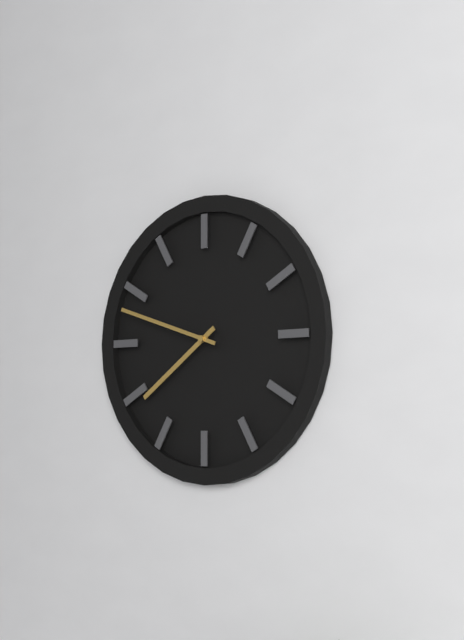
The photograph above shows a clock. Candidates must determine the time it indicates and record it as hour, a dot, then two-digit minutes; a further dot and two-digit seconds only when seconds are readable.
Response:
7.48
